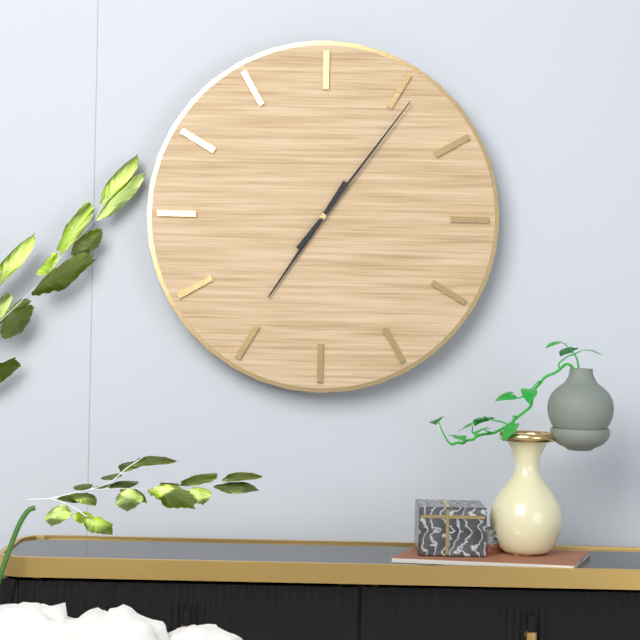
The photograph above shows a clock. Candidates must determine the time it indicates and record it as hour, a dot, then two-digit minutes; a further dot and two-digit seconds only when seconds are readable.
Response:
7.06
